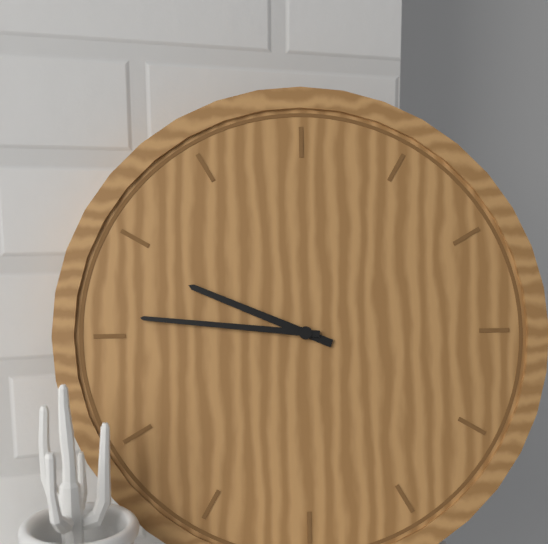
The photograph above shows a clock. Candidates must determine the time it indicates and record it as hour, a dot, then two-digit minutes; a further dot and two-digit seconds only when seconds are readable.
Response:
9.46
